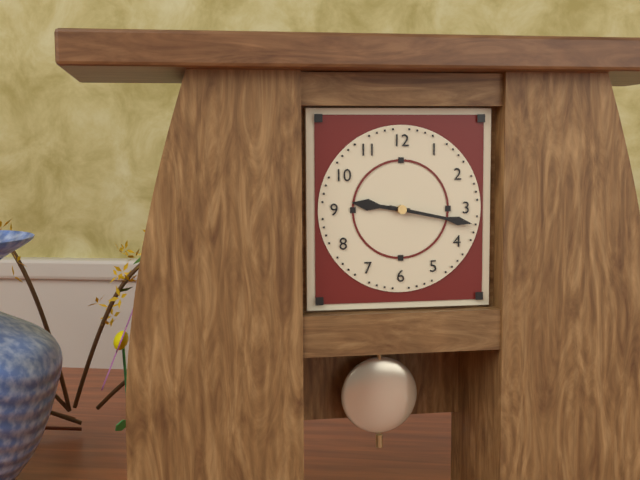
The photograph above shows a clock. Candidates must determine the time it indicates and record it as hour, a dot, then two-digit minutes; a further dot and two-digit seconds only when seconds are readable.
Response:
9.17
